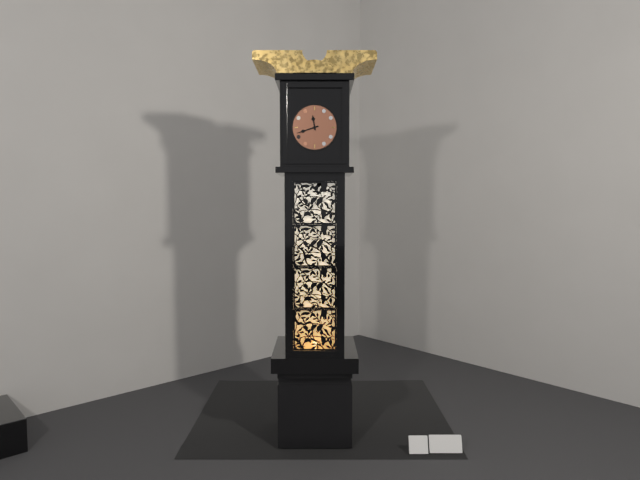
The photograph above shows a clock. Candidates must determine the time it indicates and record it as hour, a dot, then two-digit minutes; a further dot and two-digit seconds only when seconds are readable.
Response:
11.42
